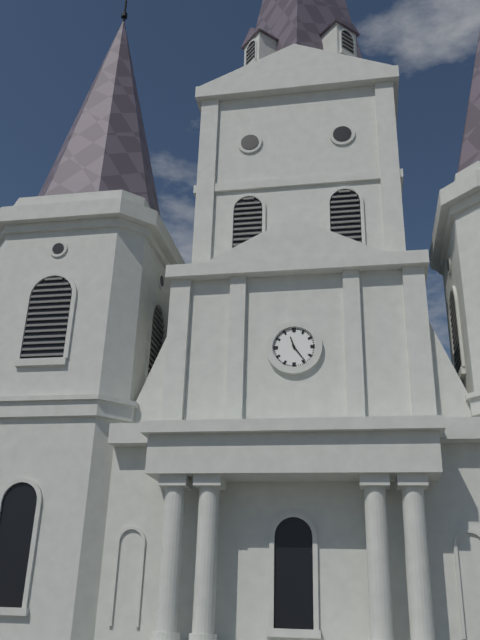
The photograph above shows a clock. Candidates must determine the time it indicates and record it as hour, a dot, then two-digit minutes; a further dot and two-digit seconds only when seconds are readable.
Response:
11.24
